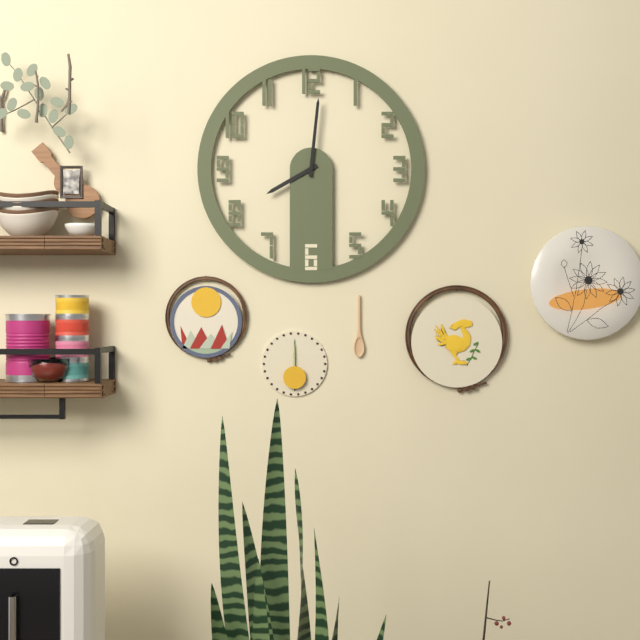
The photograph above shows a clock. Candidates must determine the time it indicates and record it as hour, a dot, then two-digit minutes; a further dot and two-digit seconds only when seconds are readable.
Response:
8.01
